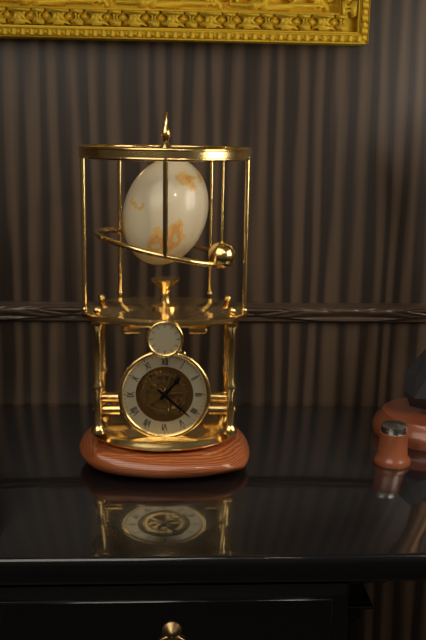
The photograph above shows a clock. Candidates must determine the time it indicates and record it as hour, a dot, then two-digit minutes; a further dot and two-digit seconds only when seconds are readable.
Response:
1.22
